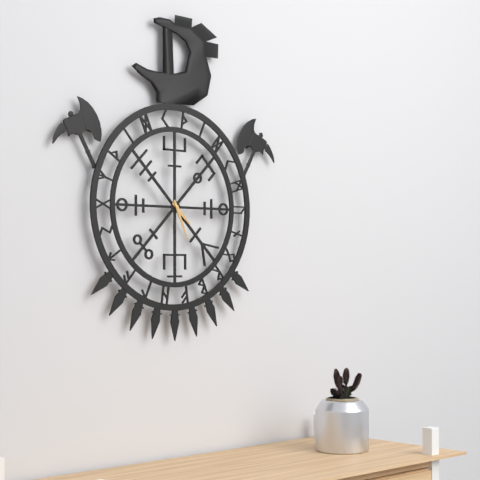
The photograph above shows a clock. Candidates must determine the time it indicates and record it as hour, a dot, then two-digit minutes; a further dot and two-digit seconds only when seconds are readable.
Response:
4.26
